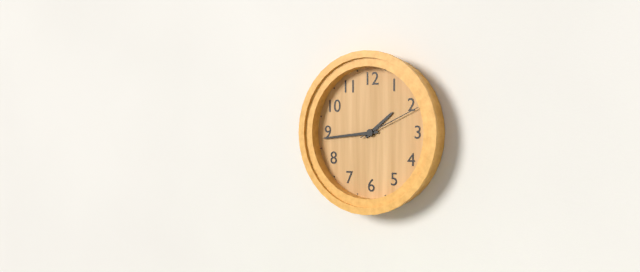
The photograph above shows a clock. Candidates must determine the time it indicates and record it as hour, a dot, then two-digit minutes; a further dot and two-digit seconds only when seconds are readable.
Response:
1.44.11
